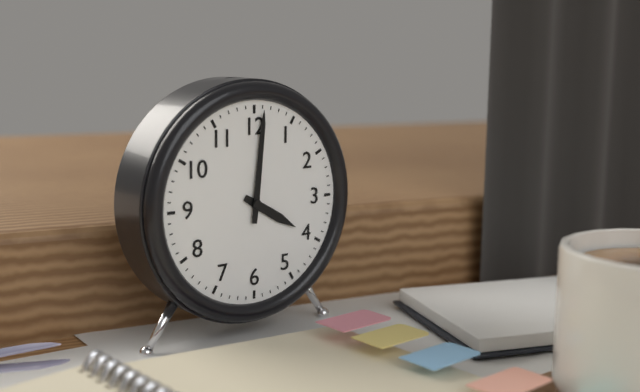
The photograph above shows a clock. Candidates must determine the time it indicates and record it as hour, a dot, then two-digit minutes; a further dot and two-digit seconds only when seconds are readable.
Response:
4.01
